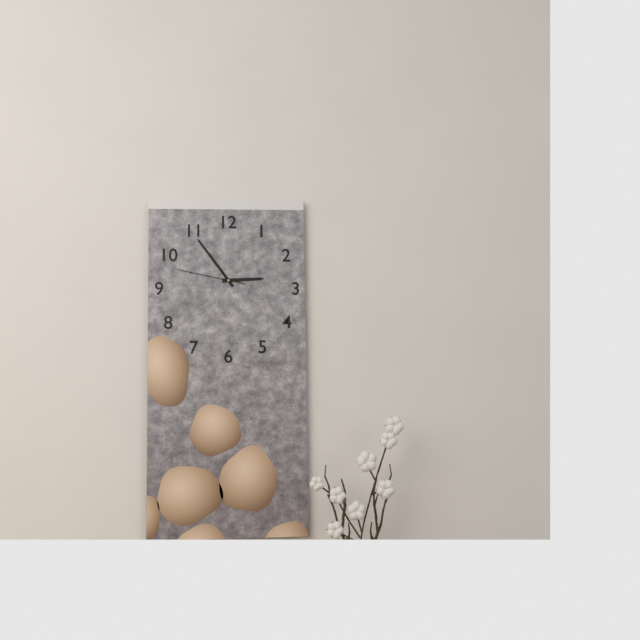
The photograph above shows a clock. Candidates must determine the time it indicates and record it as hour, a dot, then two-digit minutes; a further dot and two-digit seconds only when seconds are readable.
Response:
2.54.47
